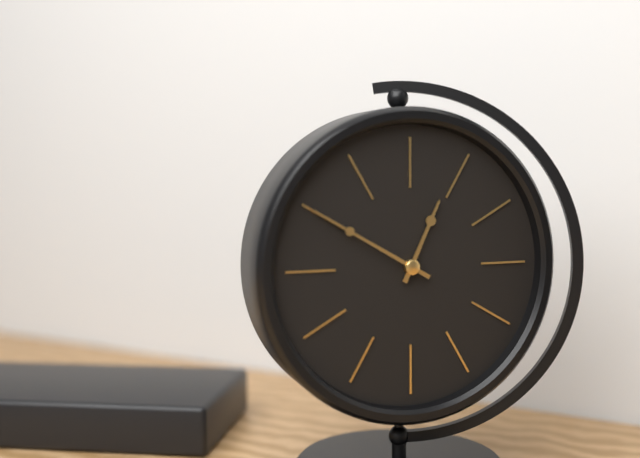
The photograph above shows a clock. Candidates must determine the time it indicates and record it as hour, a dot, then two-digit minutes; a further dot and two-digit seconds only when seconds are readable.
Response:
12.50
